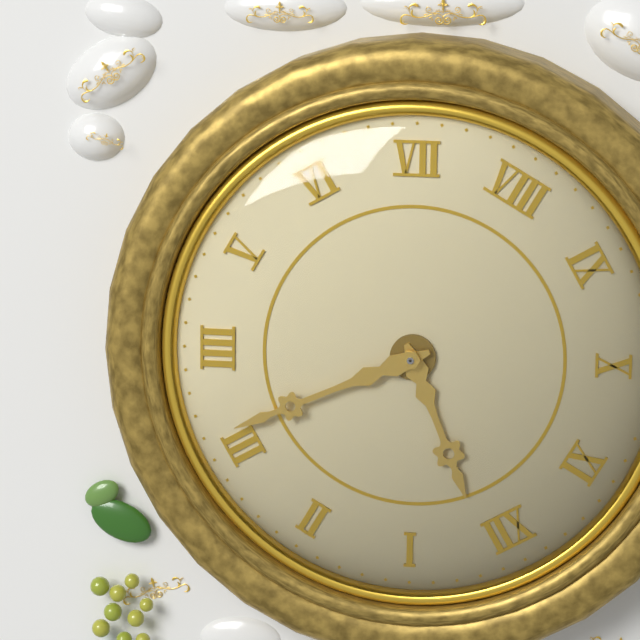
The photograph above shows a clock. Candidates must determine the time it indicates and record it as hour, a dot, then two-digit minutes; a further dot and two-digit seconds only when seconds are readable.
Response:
12.16
